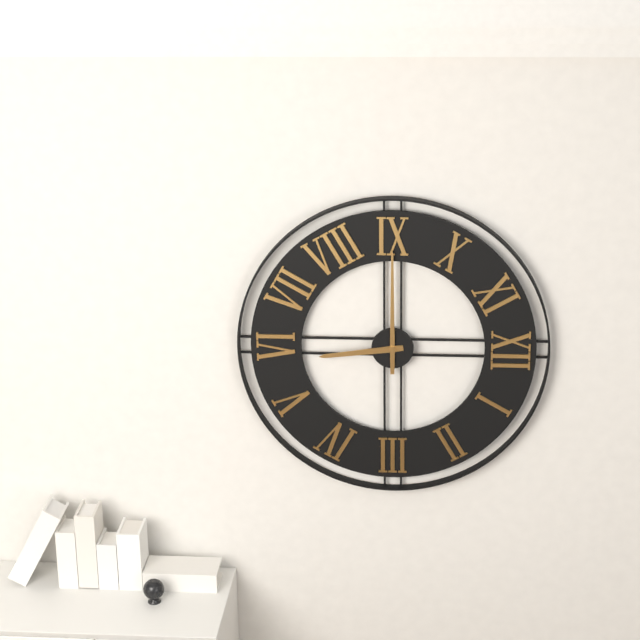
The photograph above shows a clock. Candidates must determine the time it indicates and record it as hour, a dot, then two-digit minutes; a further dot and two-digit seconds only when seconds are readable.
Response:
5.45
